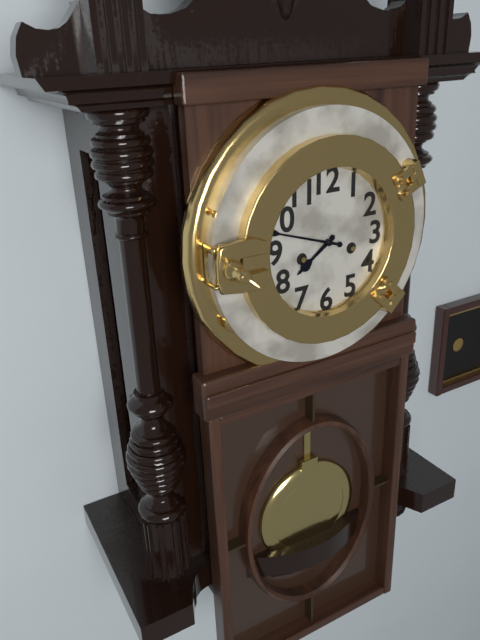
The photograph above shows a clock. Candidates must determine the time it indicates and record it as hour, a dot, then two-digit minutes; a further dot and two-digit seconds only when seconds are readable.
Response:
7.48
